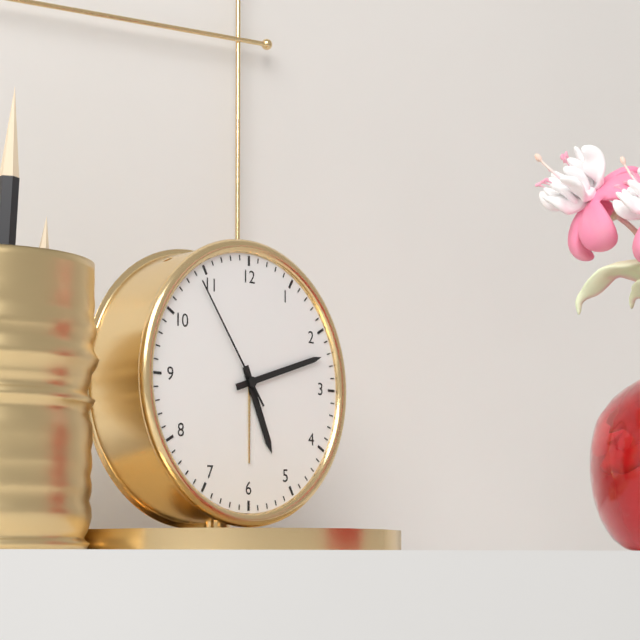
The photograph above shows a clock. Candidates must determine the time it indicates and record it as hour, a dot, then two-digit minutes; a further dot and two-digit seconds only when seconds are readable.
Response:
5.12.54
